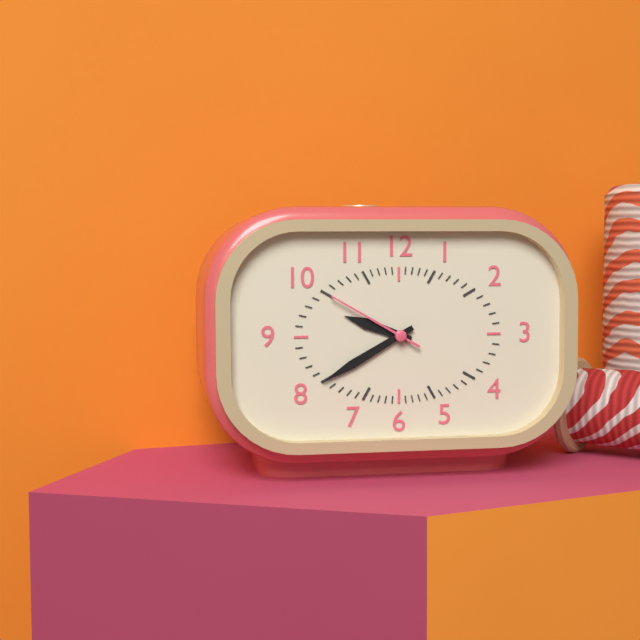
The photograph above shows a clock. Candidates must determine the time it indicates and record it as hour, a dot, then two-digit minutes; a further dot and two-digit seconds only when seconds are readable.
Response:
9.40.50
